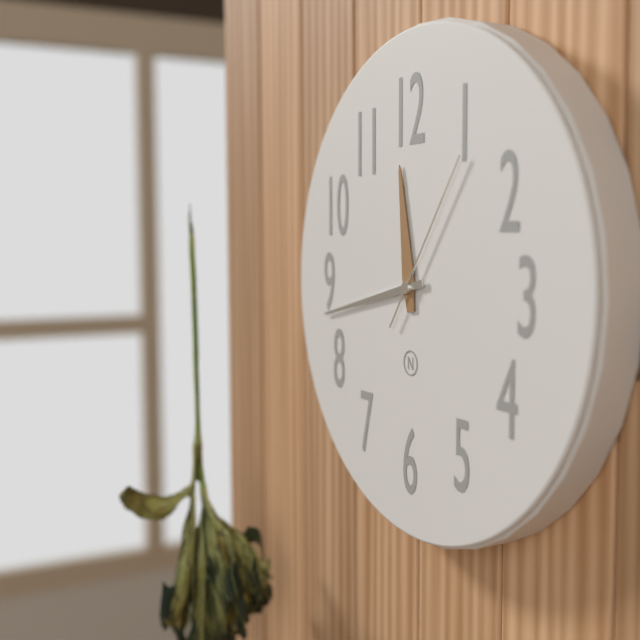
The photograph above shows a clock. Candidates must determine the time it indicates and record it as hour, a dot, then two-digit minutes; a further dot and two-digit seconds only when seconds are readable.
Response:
11.43.06
